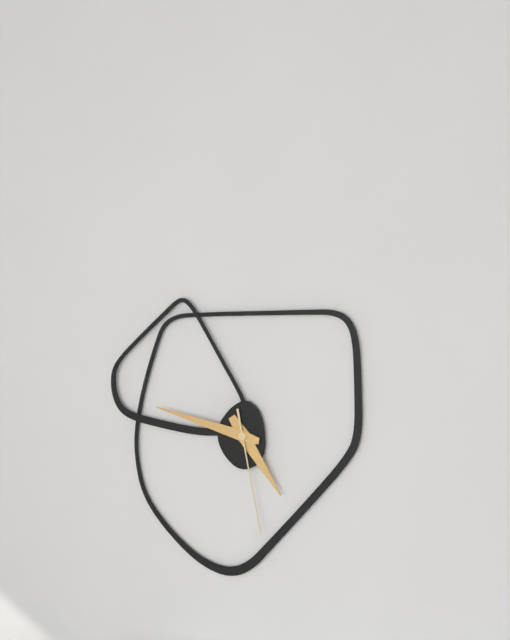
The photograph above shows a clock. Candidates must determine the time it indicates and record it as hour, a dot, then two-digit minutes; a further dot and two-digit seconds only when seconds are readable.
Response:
4.47.28
